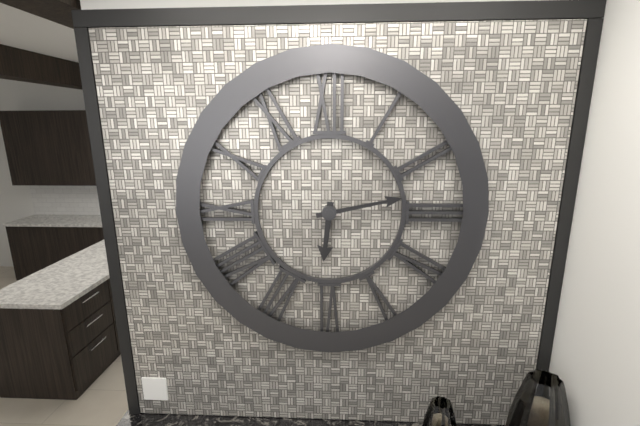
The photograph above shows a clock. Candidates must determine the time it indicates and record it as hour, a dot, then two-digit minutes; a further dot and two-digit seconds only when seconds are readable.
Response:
6.13
